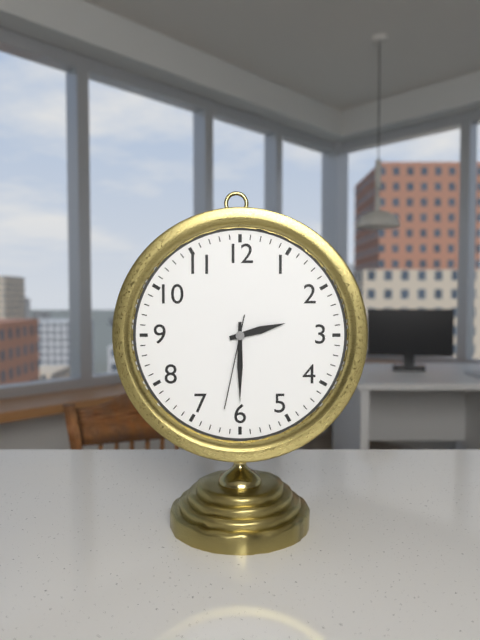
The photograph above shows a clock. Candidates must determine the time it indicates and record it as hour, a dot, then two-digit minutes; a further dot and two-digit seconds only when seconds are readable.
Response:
2.30.32
